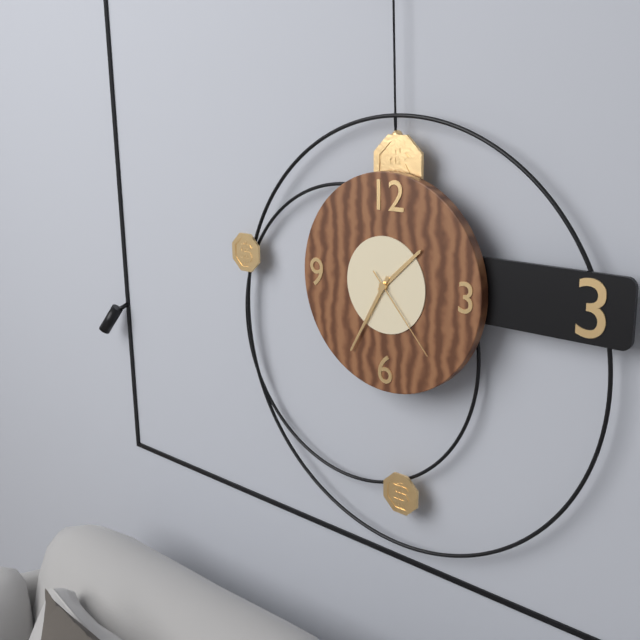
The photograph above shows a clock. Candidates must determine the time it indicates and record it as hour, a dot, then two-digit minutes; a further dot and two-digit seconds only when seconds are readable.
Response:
1.35.23
